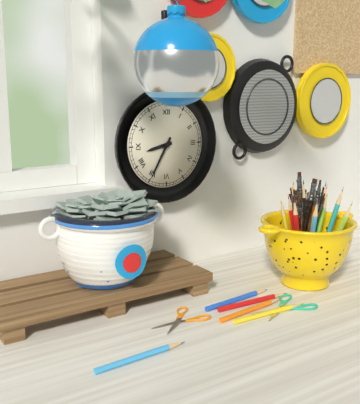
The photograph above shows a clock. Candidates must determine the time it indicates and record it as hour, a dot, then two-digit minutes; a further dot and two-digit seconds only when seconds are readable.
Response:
8.35
